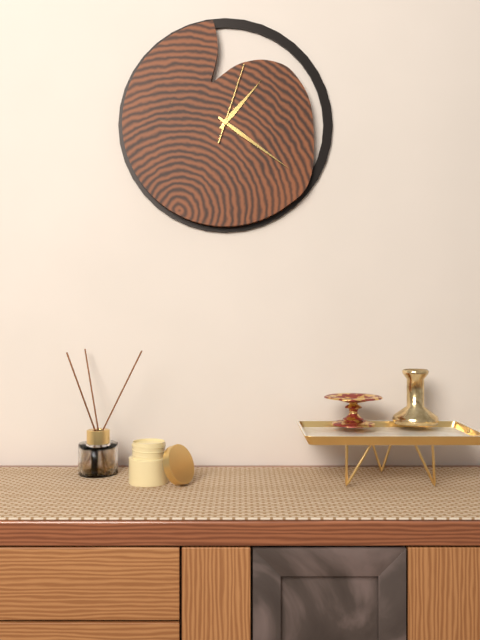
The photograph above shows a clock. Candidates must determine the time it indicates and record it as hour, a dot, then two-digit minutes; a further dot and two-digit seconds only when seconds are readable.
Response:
1.21.03
